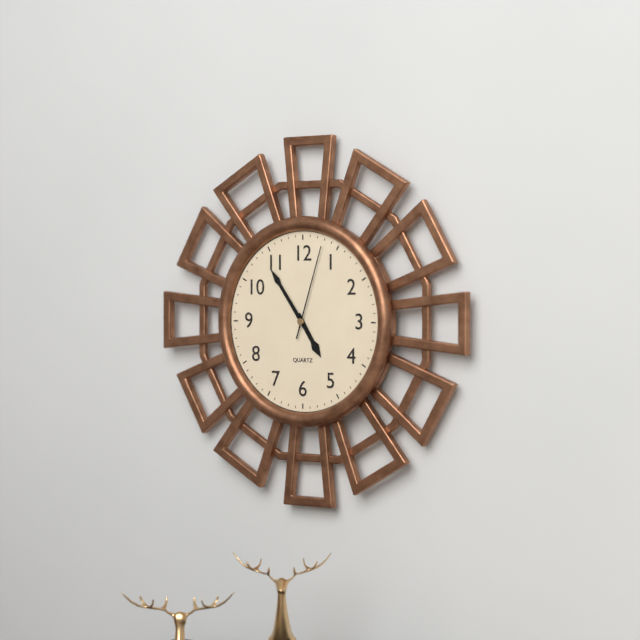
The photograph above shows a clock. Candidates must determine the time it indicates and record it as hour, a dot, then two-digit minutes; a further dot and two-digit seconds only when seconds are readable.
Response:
4.54.03
